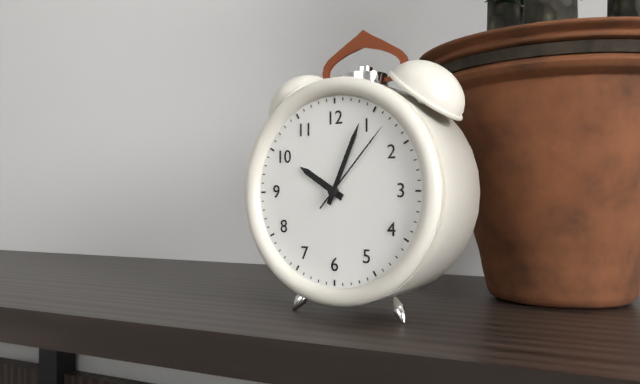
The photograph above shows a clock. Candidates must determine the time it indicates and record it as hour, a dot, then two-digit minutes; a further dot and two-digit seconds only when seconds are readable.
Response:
10.04.07
